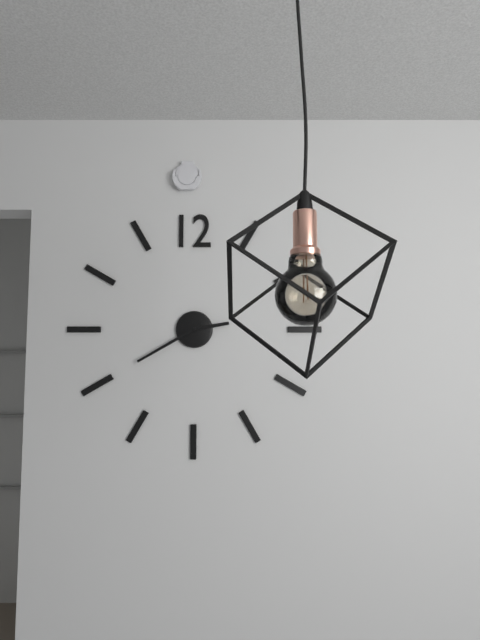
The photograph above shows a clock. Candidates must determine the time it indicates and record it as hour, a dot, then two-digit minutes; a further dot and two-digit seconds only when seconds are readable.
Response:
2.40
